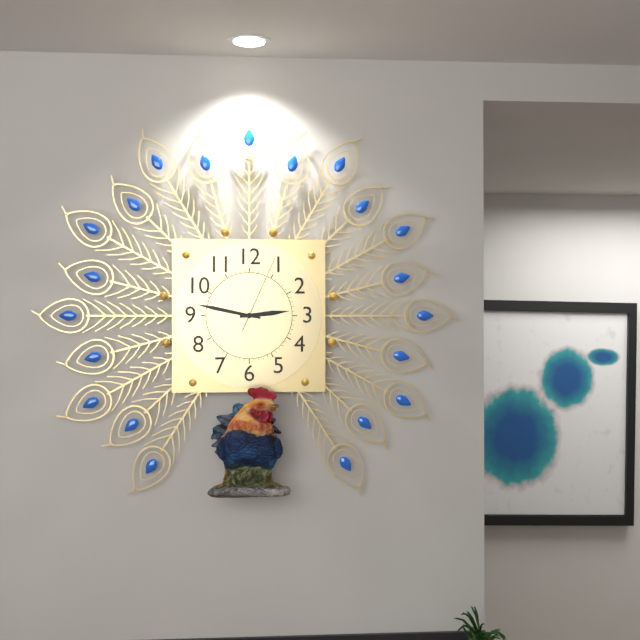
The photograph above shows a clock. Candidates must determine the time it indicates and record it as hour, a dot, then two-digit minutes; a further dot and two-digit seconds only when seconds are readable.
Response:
2.47.04
